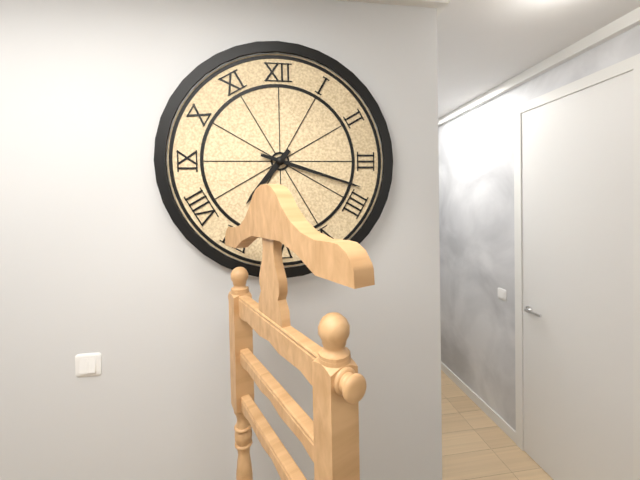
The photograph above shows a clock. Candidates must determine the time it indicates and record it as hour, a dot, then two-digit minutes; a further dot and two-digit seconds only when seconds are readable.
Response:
7.18
